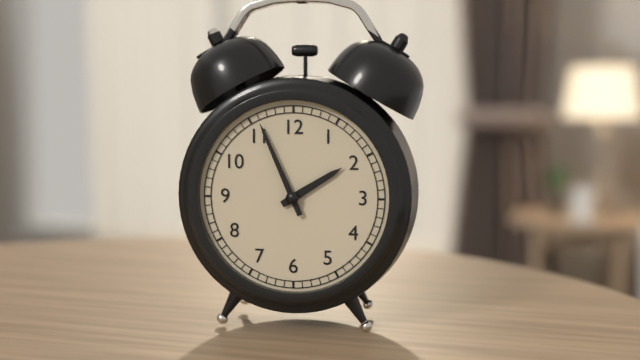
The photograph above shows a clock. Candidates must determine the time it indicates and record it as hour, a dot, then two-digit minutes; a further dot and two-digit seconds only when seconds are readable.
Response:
1.56
